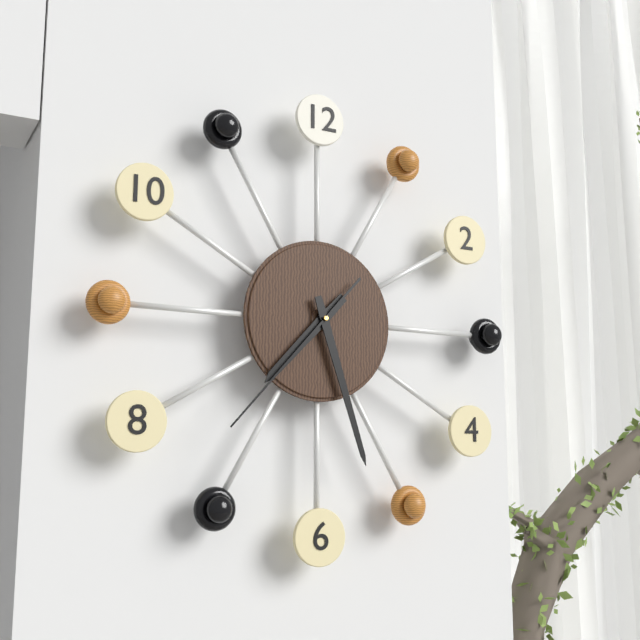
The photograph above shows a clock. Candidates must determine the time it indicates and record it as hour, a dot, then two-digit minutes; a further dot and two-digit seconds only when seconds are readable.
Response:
7.27.37
